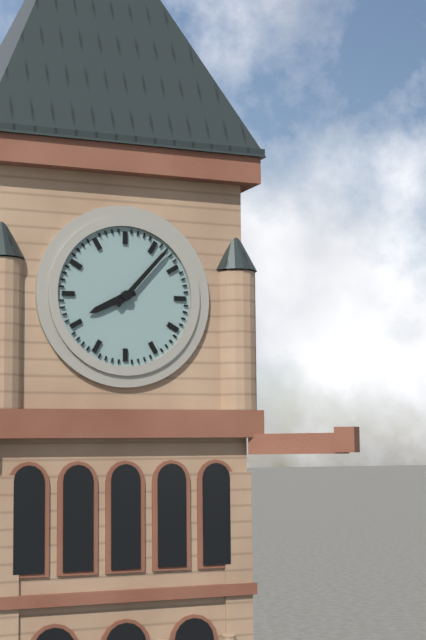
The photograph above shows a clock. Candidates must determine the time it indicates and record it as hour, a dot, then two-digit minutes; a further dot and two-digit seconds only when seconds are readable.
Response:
8.07
